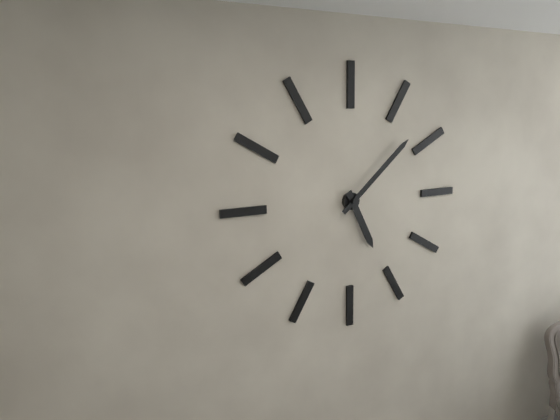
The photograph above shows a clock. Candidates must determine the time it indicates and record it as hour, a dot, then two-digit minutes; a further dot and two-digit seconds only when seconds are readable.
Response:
5.08
